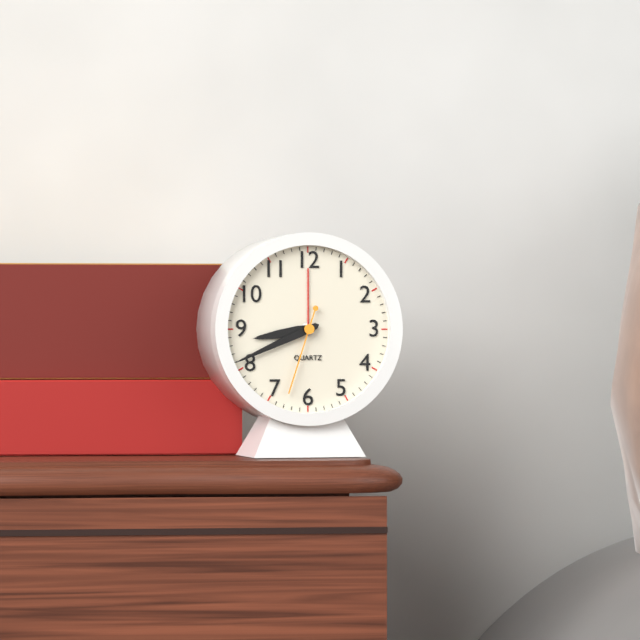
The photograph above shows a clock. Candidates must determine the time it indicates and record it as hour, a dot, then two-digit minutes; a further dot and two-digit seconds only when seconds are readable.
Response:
8.41.33
